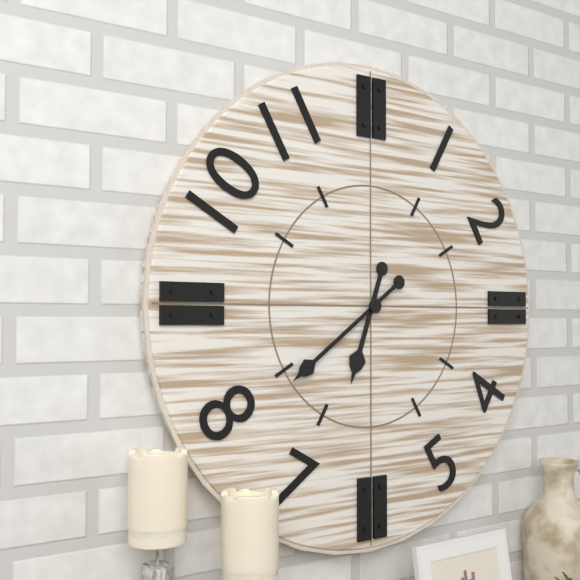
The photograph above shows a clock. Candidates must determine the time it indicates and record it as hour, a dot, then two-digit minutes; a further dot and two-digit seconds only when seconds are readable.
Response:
6.39
